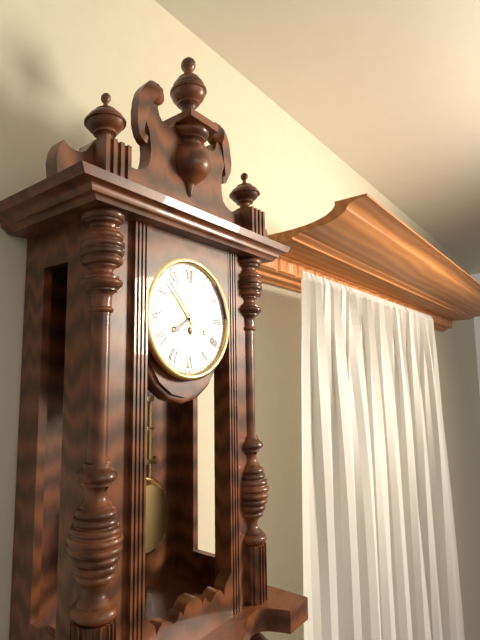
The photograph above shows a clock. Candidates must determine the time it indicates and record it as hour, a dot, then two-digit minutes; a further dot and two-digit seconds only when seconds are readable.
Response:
7.53
